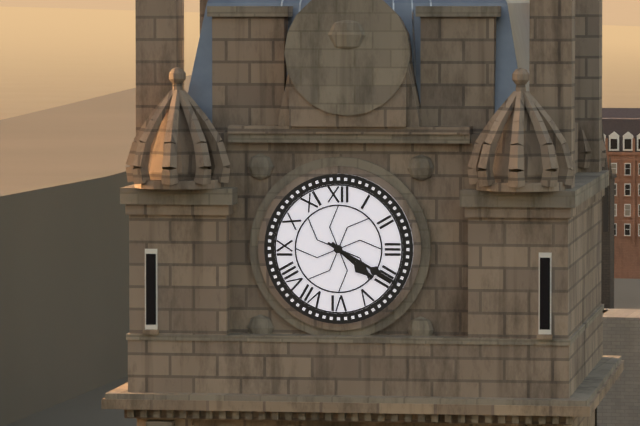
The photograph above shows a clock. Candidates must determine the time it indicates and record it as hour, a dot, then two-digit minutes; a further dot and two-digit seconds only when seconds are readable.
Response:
4.20
